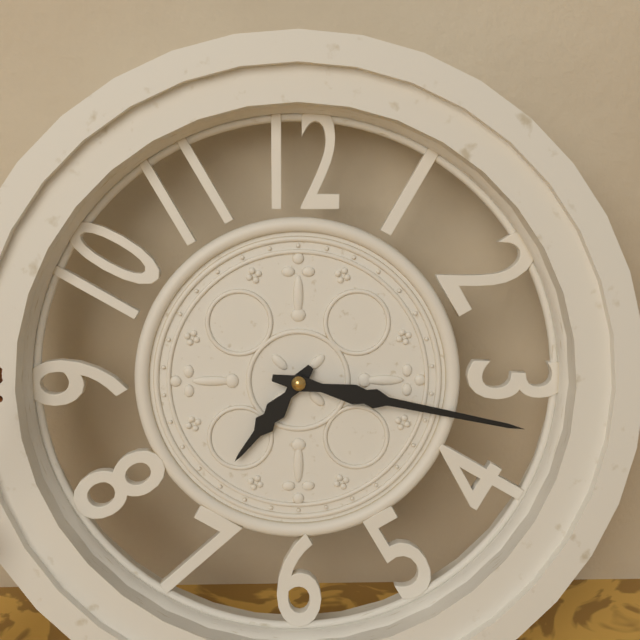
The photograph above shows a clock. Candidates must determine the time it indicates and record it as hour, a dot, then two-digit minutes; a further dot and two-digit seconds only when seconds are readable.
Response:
7.17
